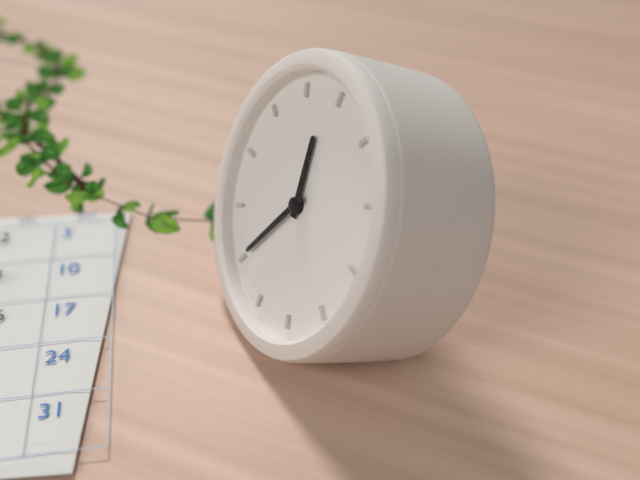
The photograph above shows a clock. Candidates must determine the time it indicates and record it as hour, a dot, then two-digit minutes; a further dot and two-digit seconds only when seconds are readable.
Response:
11.35
